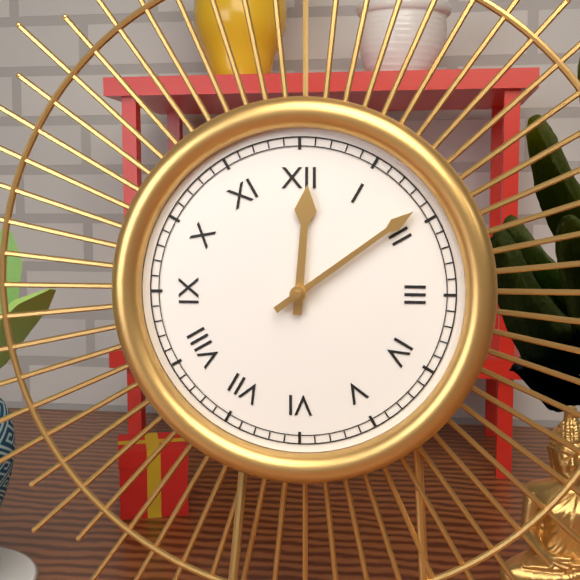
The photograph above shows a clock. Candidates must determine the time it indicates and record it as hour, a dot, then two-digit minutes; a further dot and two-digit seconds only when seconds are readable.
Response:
12.09
